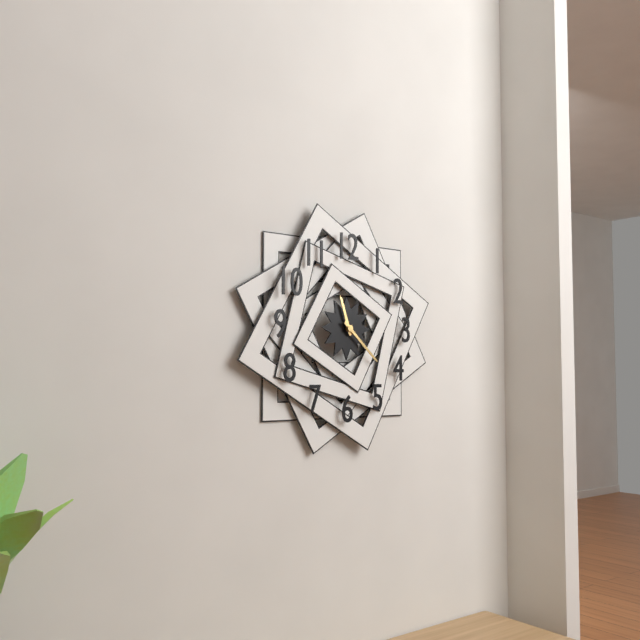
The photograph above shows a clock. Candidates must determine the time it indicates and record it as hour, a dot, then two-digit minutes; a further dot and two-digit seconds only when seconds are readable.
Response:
11.22
